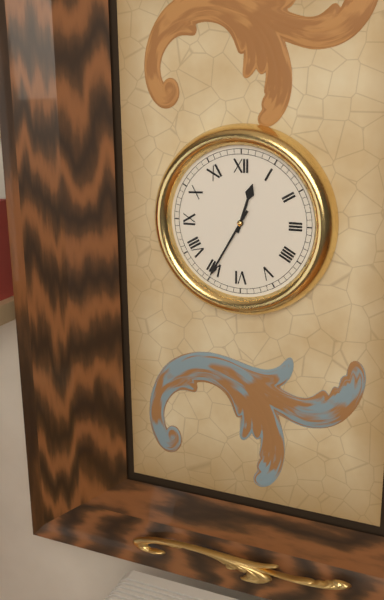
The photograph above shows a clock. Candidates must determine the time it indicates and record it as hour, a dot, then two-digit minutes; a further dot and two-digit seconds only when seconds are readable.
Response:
12.35
